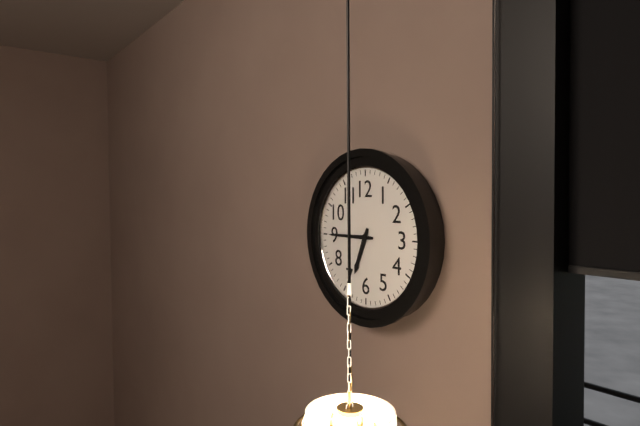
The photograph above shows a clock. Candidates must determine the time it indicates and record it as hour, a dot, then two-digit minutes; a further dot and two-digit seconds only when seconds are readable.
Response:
6.45
